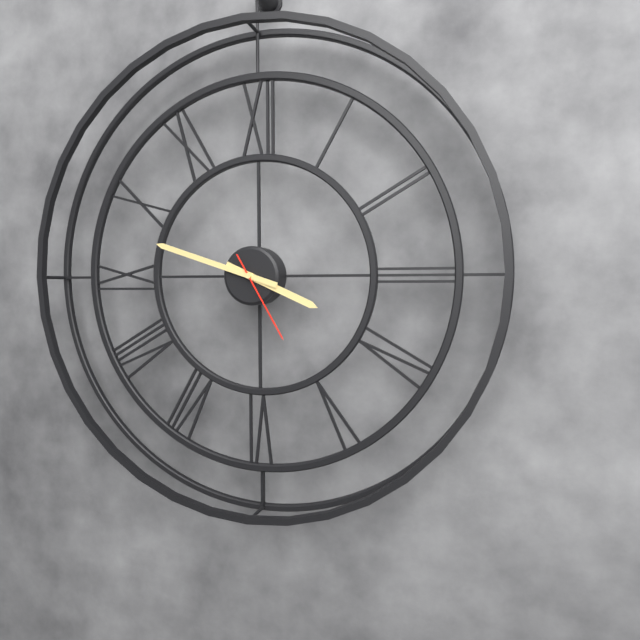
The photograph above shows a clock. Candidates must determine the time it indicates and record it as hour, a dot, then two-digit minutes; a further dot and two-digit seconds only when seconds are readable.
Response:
3.48.25
